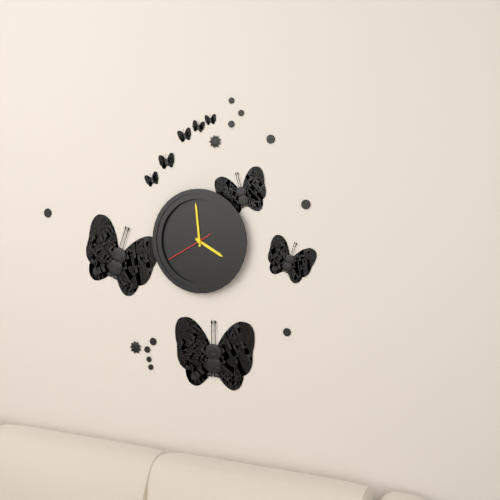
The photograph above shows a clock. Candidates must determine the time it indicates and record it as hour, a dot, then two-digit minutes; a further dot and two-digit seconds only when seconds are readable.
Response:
3.59
